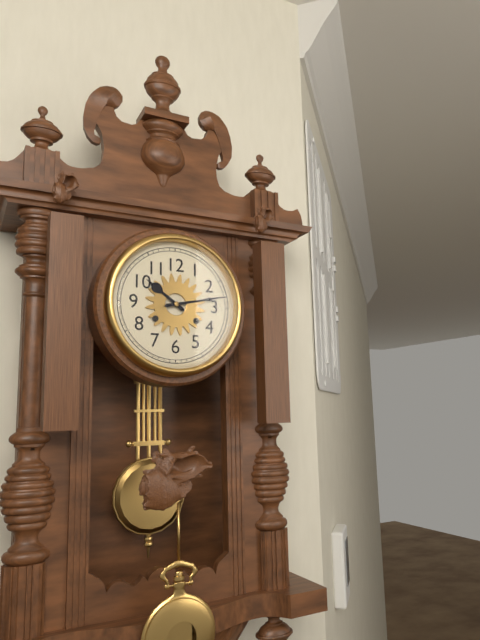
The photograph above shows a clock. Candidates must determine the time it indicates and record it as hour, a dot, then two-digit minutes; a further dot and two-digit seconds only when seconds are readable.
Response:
10.13
